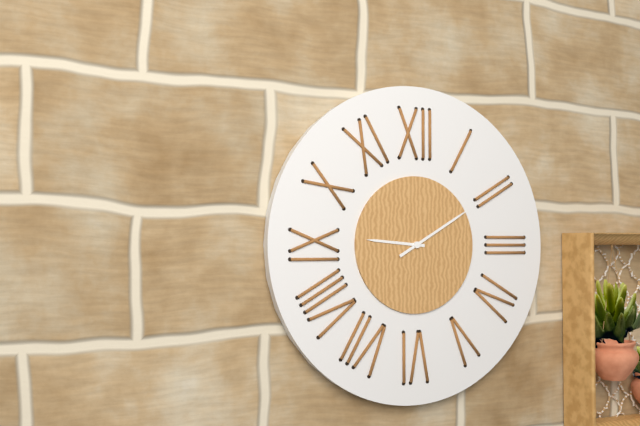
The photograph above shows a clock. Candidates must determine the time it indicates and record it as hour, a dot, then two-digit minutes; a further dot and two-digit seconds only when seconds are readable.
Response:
9.10
